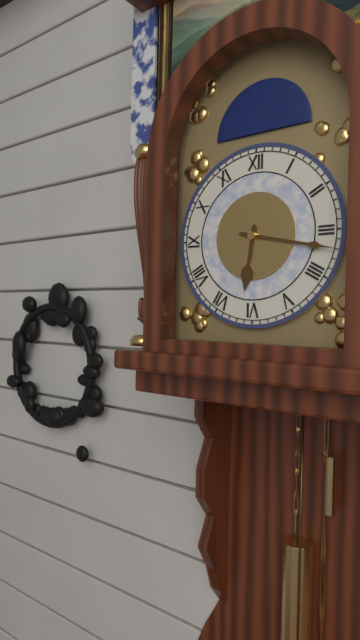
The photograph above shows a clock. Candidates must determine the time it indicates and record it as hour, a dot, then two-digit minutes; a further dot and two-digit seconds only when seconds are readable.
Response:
6.17
